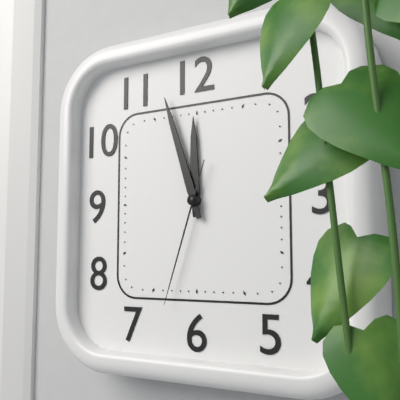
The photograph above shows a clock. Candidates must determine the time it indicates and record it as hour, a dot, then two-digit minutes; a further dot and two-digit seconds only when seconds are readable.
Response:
11.57.33
